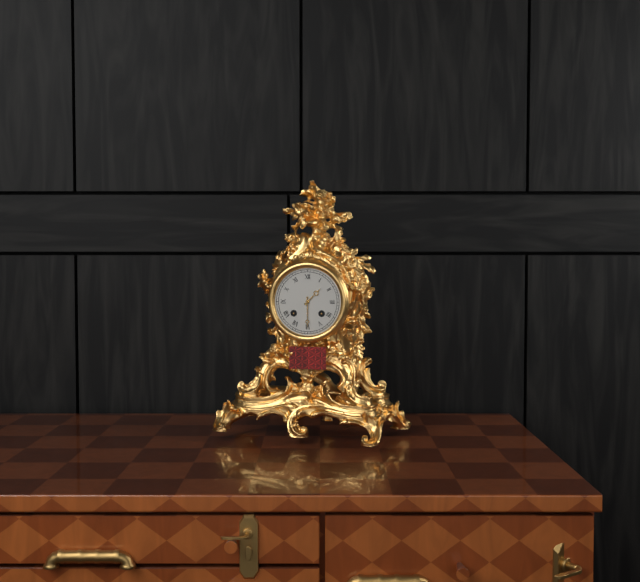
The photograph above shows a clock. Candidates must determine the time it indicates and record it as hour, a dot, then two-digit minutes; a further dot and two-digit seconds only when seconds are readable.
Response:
1.30
